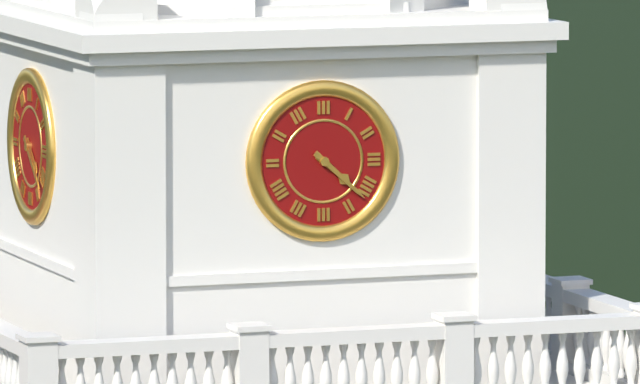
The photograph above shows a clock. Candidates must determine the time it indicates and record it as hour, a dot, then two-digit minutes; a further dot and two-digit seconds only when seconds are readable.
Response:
4.22
